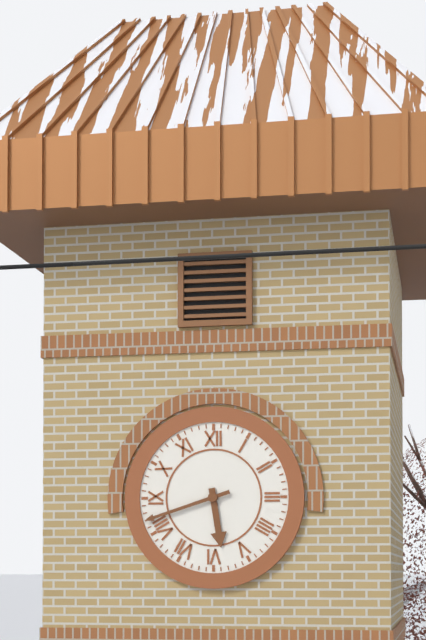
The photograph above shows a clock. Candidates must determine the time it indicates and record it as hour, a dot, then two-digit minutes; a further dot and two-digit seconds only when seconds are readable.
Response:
5.42
